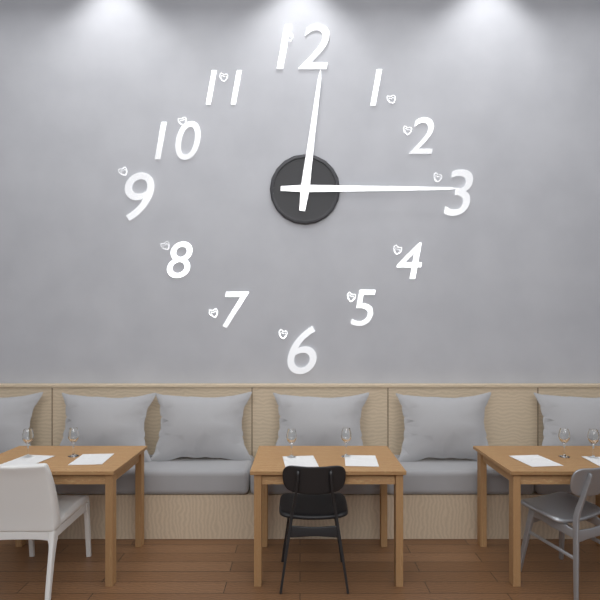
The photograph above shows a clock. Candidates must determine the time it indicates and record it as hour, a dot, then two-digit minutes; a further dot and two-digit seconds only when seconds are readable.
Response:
12.15
